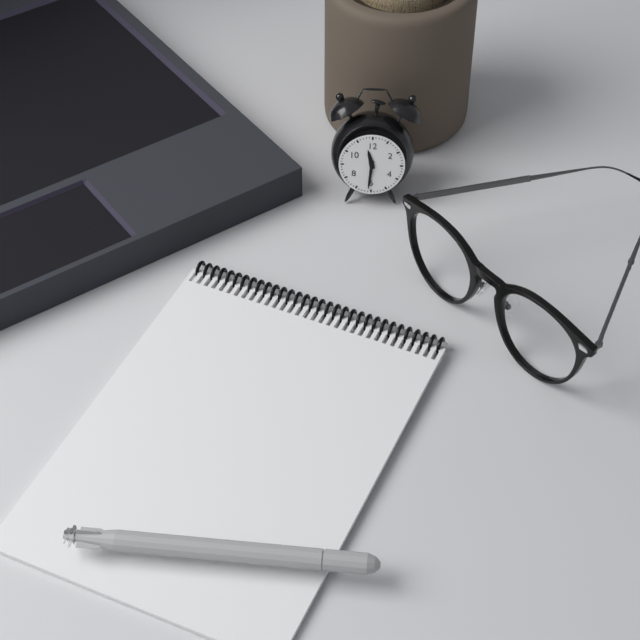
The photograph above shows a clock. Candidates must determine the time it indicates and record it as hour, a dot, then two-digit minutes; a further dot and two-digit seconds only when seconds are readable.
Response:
11.31
